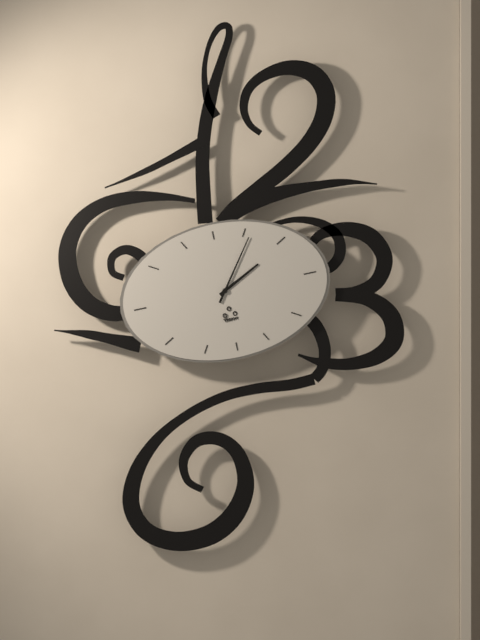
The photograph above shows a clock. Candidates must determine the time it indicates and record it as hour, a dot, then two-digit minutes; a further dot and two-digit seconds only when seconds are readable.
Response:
2.06
